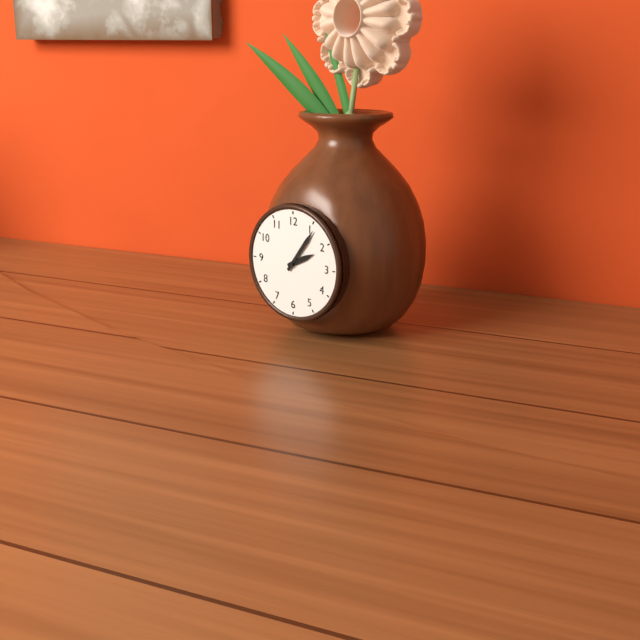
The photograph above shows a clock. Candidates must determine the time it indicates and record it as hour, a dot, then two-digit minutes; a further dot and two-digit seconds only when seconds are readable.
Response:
2.06
